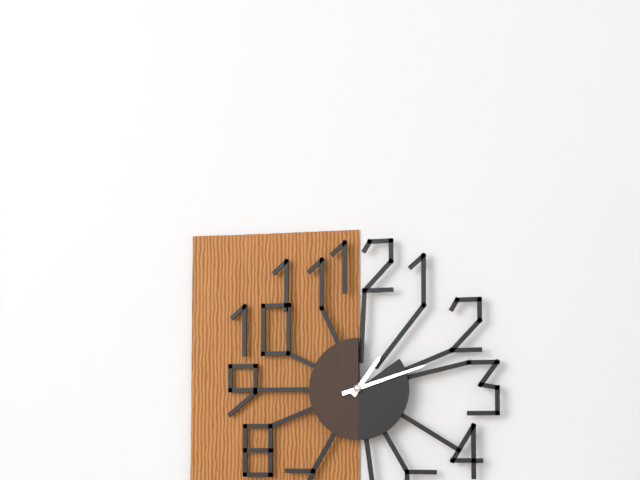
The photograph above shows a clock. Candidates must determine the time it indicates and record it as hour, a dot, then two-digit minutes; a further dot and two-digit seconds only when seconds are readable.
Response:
1.12
